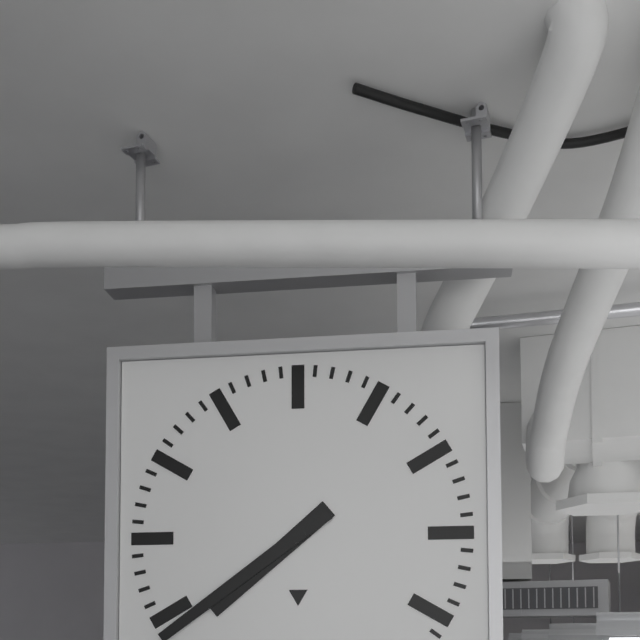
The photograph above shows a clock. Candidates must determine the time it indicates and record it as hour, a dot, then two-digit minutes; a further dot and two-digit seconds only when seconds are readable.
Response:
7.39
